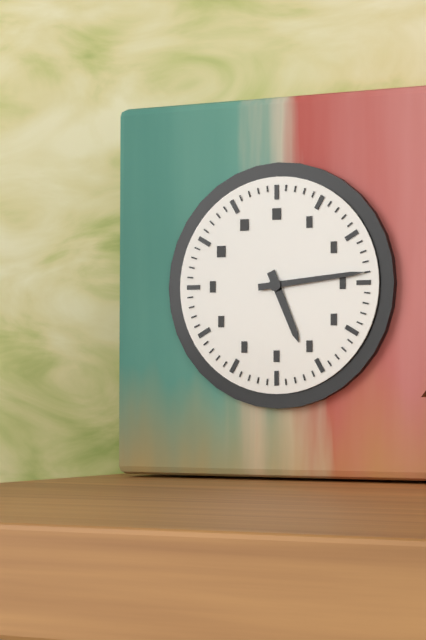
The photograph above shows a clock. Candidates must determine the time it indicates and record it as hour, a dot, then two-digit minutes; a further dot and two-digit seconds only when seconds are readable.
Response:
5.14
